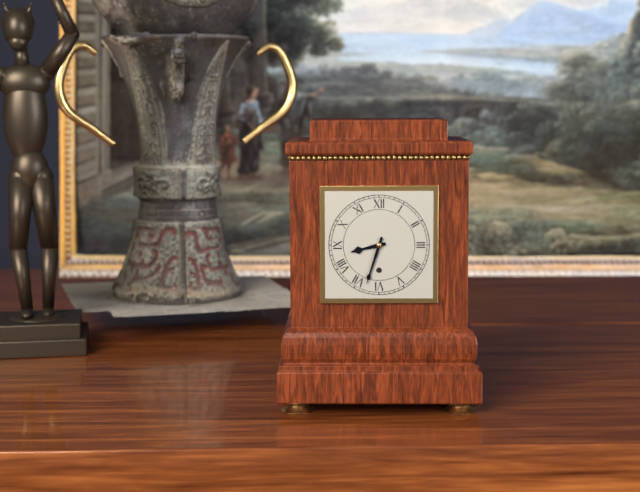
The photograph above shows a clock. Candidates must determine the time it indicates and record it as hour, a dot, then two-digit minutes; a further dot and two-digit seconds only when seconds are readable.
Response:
8.33
